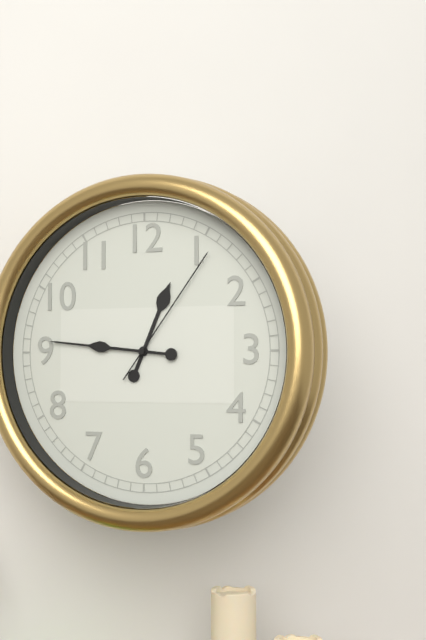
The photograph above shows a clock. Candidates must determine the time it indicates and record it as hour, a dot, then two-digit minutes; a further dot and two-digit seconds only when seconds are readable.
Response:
12.46.06
